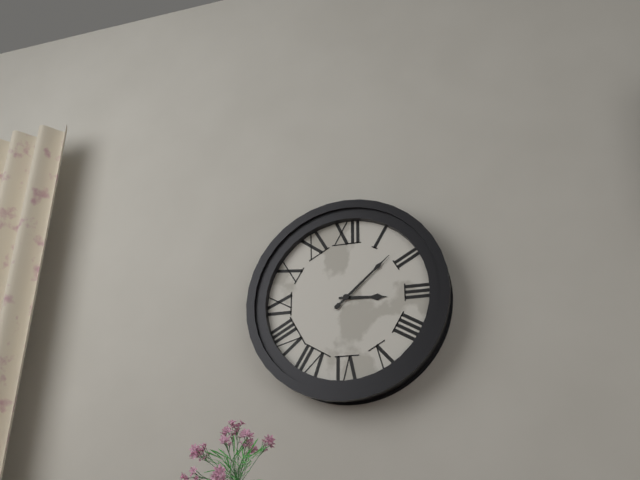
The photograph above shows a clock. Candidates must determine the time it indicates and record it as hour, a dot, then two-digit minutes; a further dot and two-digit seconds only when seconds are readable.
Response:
3.08
